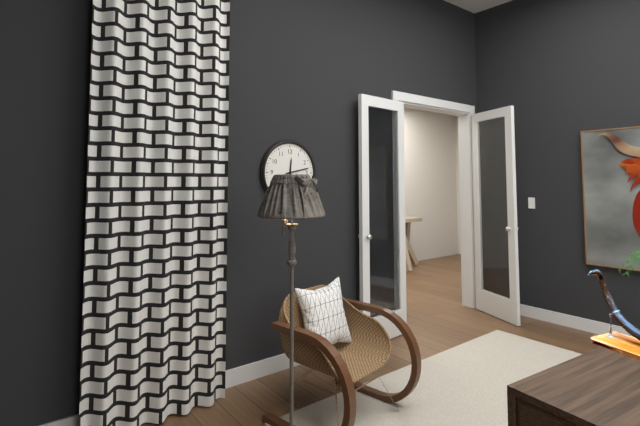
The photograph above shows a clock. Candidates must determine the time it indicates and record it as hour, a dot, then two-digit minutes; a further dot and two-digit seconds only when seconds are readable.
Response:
12.13
